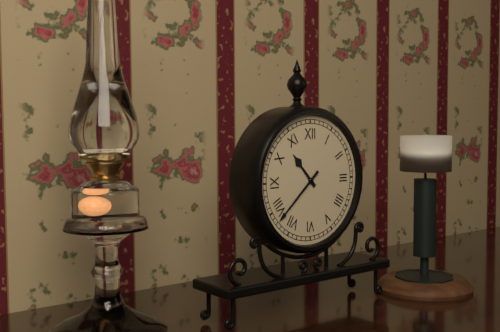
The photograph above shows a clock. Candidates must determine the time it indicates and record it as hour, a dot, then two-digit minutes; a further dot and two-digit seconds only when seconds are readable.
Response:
10.38
